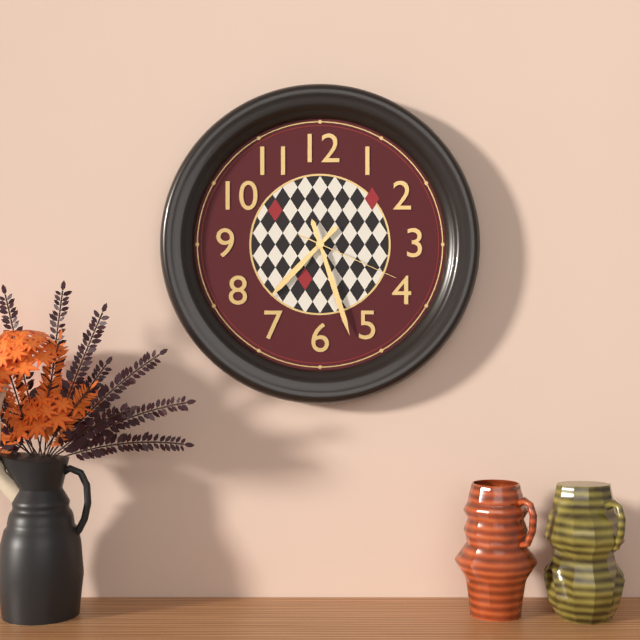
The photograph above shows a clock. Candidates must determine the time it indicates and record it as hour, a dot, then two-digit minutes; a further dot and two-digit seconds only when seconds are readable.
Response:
7.27.19
